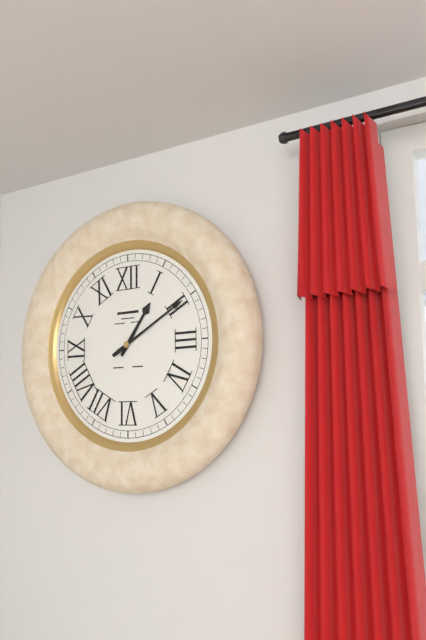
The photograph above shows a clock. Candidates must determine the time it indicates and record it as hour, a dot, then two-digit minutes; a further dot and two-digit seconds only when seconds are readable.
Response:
1.10
